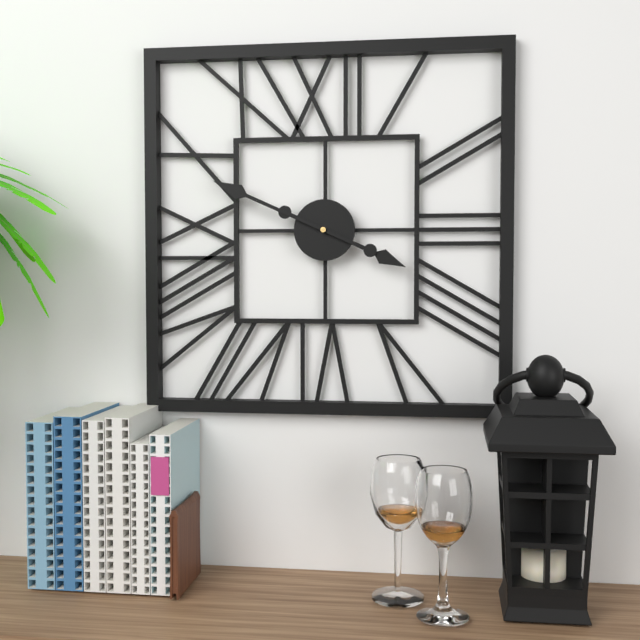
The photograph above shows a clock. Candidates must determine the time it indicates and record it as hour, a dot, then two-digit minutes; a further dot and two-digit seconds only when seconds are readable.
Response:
3.49
